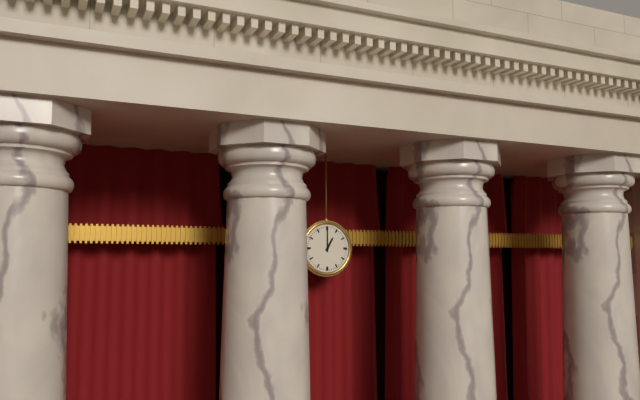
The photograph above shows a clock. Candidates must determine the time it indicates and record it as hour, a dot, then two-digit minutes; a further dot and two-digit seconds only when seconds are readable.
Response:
1.00
